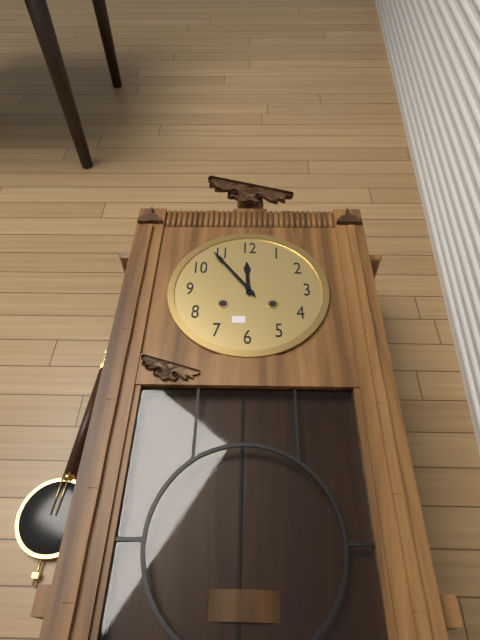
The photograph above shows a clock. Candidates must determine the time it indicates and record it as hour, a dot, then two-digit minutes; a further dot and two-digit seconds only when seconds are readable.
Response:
11.54
